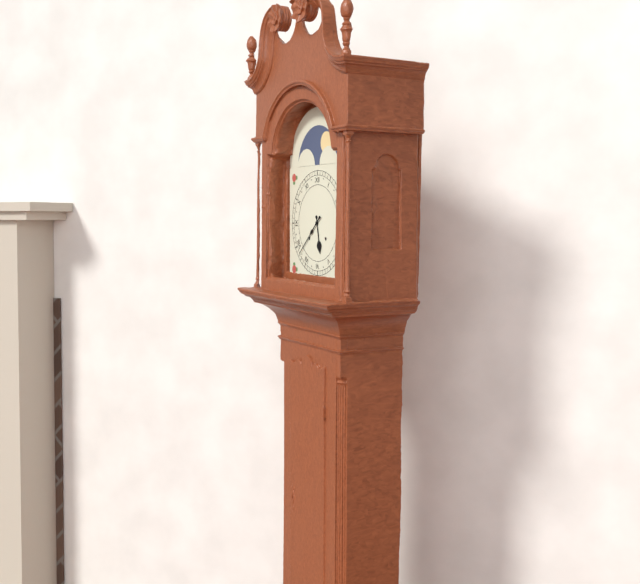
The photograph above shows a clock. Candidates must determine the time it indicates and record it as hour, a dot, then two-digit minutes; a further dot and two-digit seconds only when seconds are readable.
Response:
5.38
